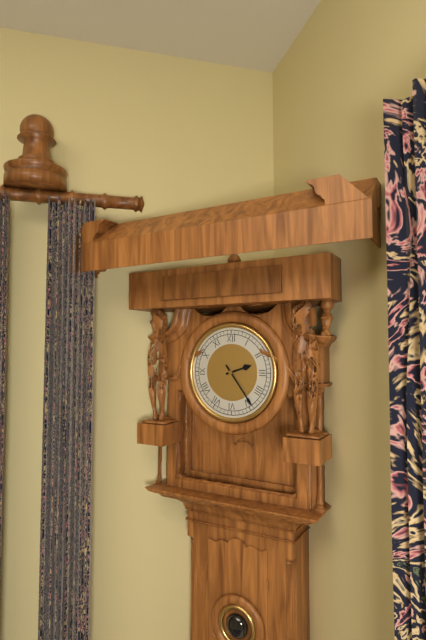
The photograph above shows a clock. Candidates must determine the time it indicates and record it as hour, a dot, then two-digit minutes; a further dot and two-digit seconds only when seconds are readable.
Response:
2.24
